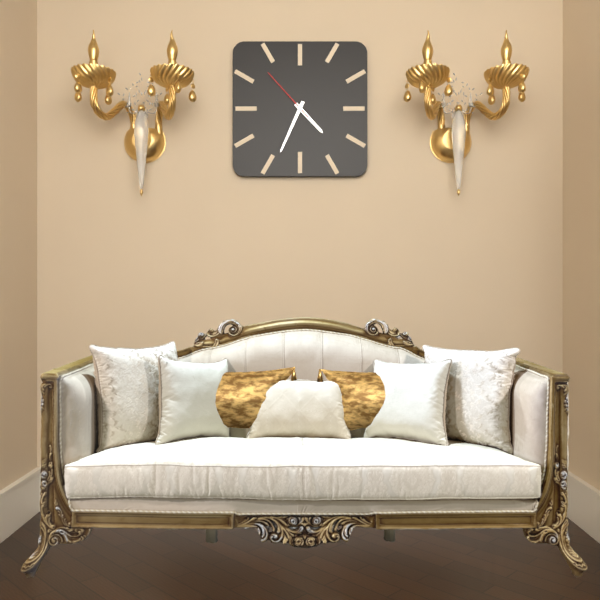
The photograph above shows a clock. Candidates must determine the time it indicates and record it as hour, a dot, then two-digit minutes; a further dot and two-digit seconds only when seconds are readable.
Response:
4.34.53
